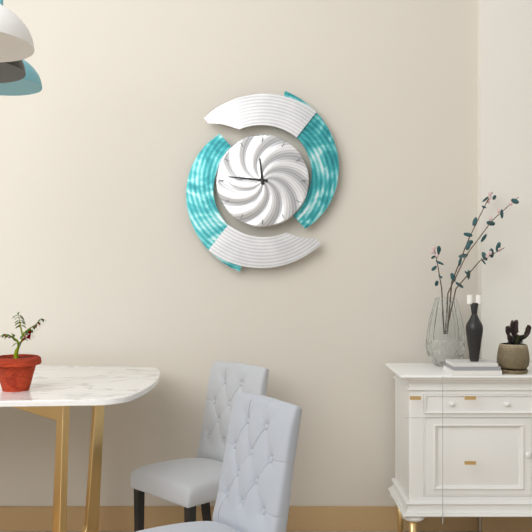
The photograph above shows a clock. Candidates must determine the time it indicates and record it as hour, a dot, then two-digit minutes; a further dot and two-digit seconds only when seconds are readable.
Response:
11.46
